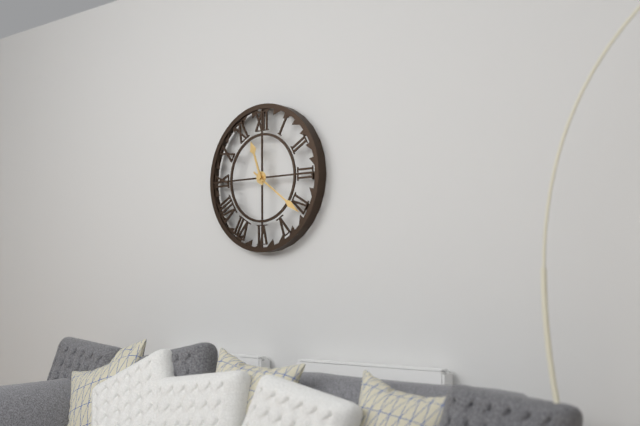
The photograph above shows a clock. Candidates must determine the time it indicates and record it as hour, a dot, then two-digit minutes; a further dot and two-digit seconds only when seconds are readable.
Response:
11.21
